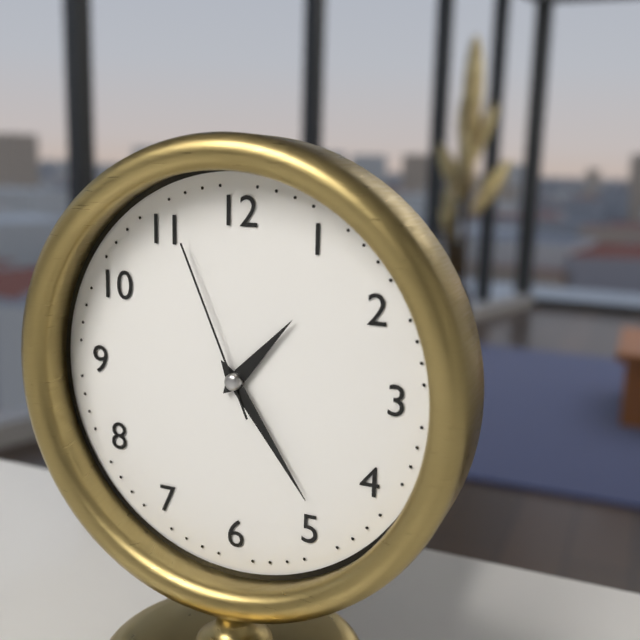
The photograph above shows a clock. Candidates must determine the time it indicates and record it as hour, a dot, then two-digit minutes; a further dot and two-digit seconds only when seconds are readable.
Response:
1.24.56
